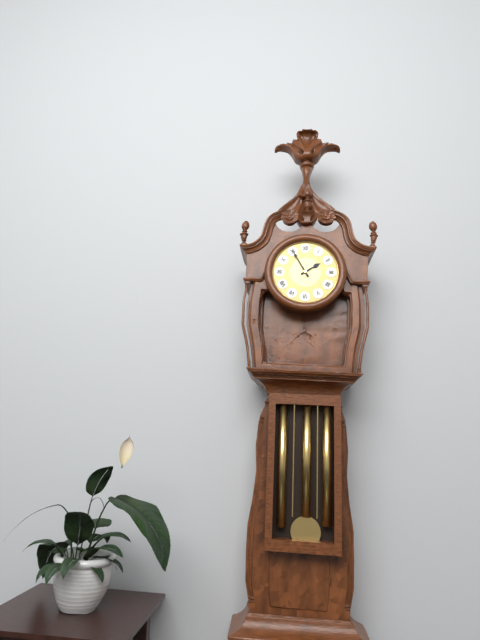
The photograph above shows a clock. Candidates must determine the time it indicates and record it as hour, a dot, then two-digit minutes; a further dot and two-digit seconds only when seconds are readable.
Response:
1.55
